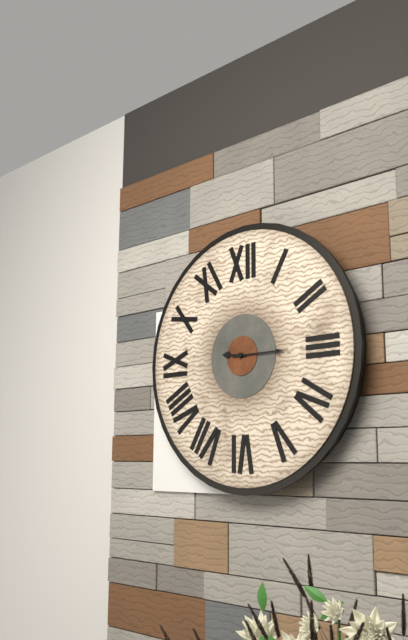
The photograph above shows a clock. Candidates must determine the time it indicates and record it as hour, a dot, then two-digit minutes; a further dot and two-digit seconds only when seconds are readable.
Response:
9.15
